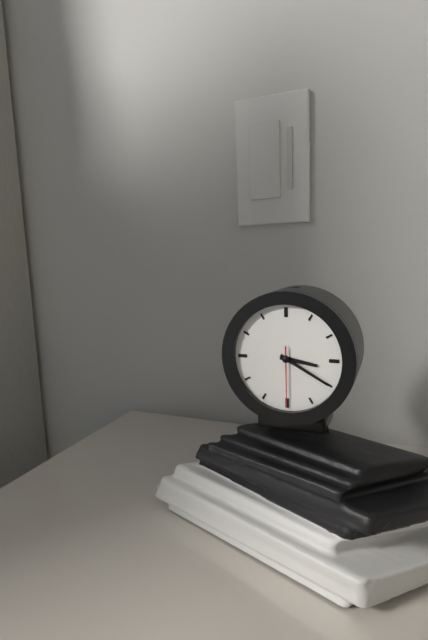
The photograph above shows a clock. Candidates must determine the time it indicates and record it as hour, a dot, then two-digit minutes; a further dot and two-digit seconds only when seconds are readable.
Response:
3.20.30
